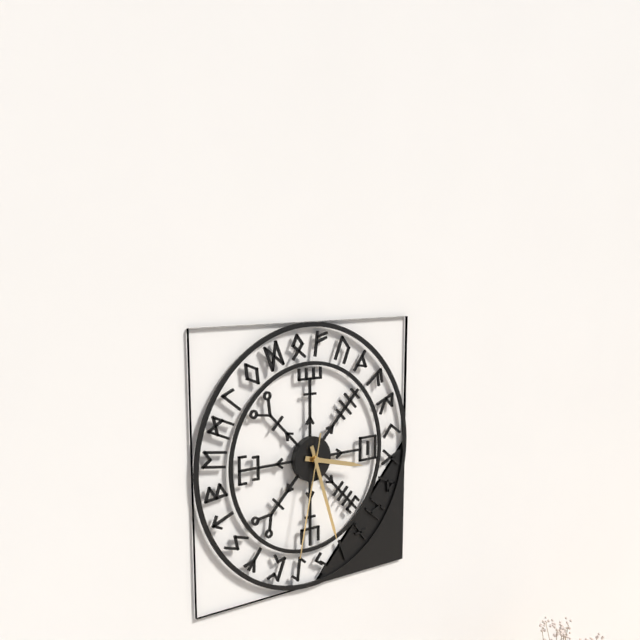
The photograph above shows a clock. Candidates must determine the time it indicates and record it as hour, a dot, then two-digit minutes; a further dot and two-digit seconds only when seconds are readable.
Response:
3.27.32
